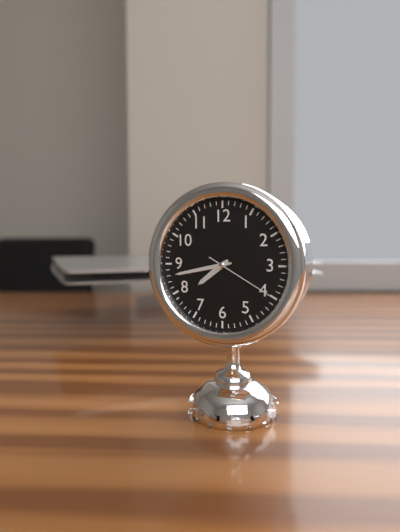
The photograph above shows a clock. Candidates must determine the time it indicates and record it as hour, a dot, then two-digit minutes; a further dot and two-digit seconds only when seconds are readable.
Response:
7.43.20
